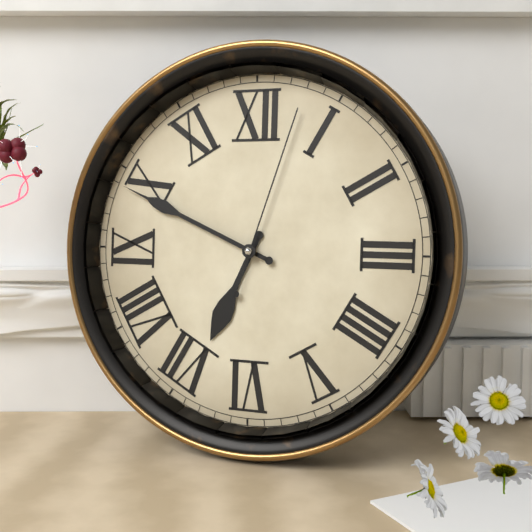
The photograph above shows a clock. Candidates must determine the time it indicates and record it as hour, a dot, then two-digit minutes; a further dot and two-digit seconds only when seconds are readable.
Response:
6.49.03
